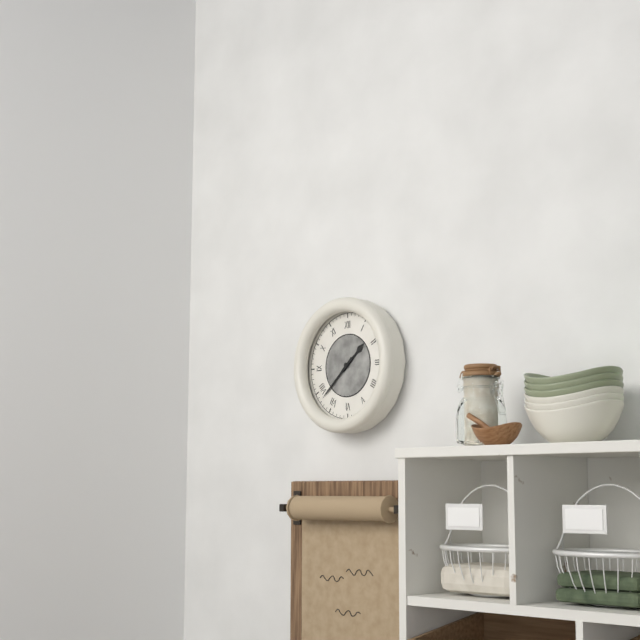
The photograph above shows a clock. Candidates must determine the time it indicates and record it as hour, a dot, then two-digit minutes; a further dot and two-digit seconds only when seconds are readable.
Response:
1.38
